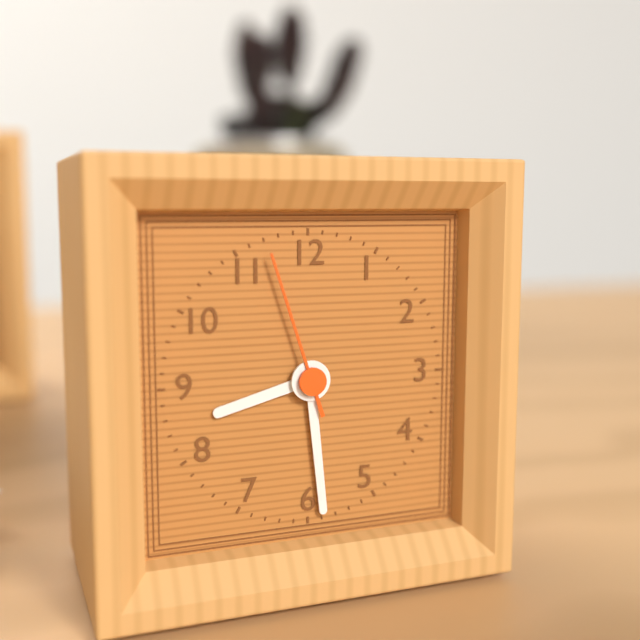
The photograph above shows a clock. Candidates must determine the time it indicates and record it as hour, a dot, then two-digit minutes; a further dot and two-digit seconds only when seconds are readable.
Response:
8.29.57
